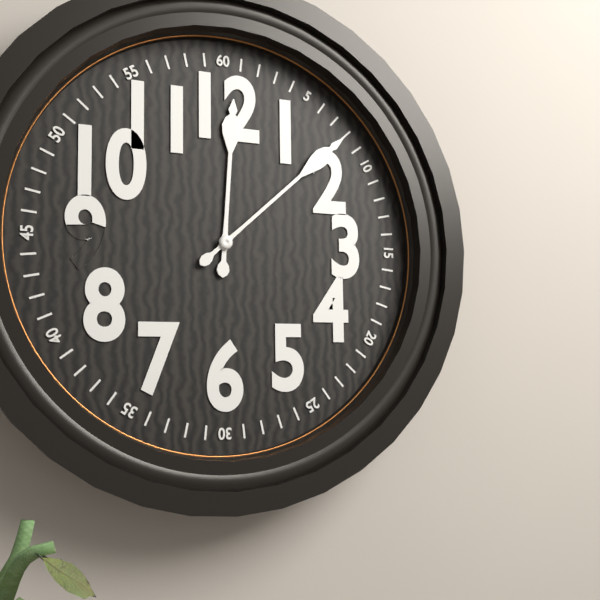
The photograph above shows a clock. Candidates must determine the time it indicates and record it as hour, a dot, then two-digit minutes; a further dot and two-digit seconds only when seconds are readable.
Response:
12.08
